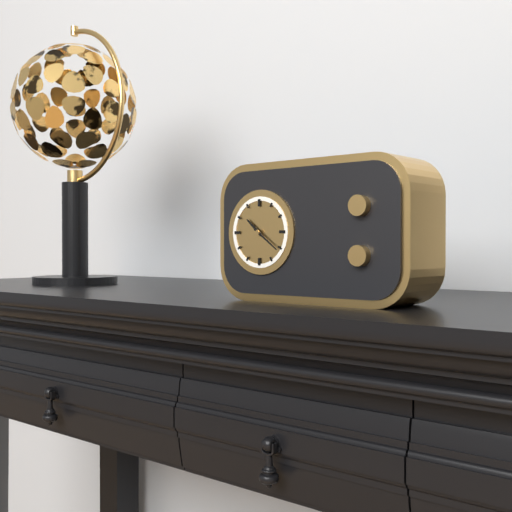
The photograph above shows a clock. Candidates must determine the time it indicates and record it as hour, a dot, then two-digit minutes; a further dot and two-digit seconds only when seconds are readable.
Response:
10.21
